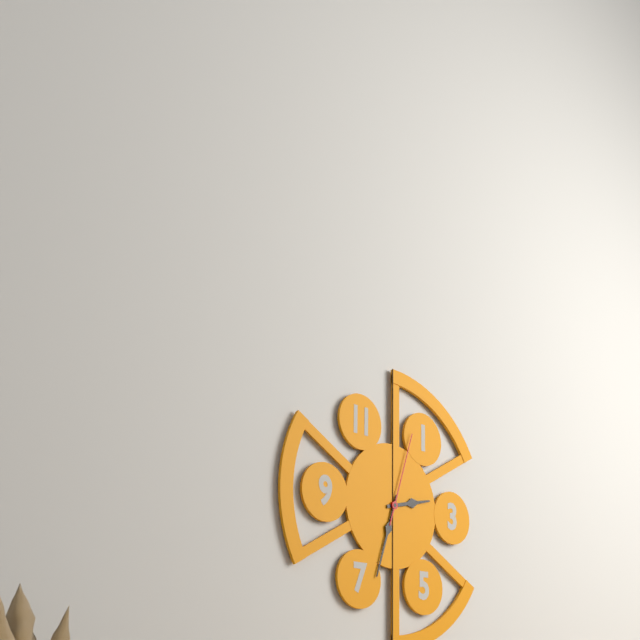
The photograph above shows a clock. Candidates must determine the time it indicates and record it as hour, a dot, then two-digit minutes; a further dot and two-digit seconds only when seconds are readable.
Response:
2.33.03
